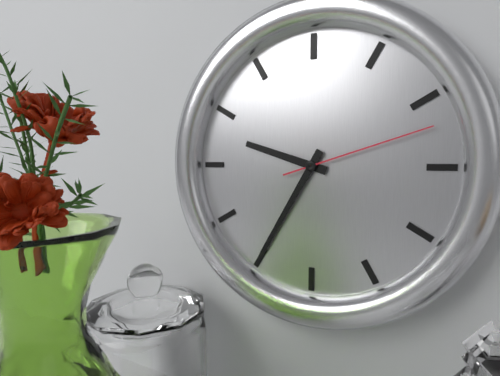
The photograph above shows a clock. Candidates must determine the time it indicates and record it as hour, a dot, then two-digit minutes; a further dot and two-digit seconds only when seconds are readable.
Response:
9.35.12
